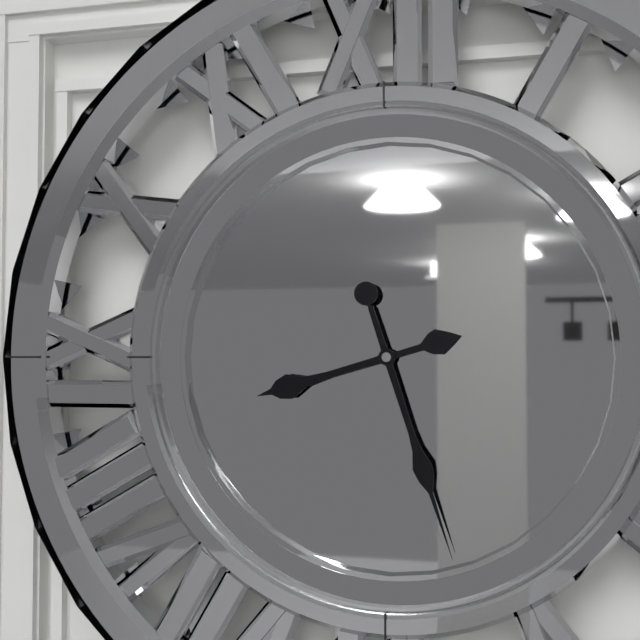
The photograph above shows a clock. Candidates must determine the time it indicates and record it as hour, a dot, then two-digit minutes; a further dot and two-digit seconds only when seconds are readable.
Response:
8.27
